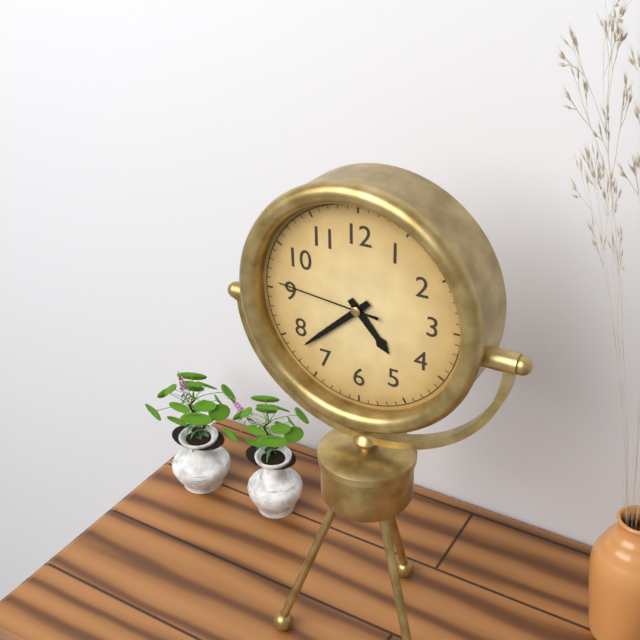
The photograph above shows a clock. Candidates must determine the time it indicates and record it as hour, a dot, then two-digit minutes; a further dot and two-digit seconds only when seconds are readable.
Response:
4.38.46
